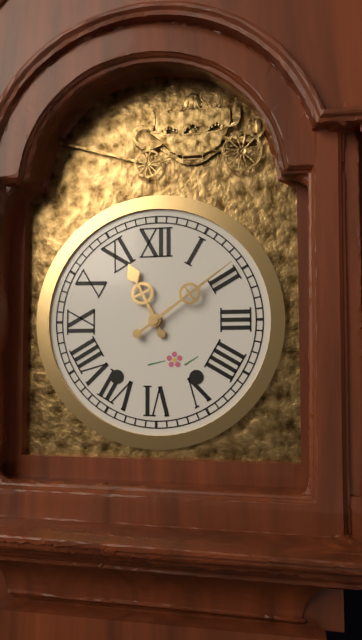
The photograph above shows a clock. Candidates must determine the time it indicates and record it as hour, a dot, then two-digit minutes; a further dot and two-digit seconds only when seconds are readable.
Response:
11.09
